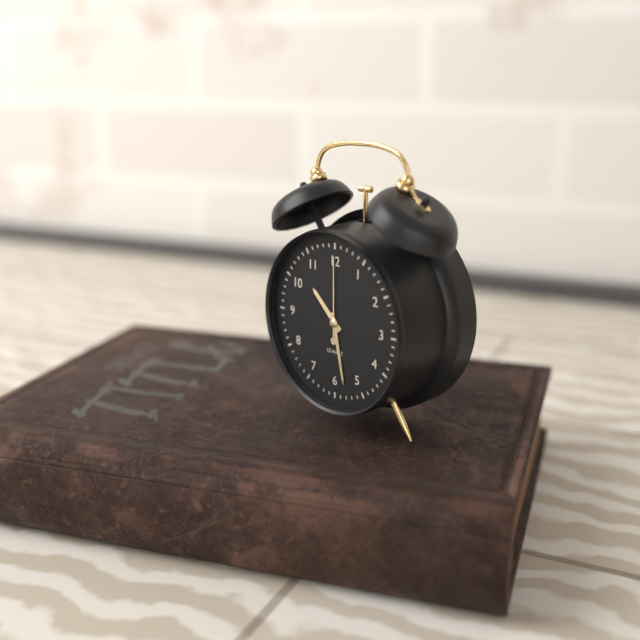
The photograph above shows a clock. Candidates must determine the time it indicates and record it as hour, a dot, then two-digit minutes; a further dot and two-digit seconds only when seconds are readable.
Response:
10.28.00
